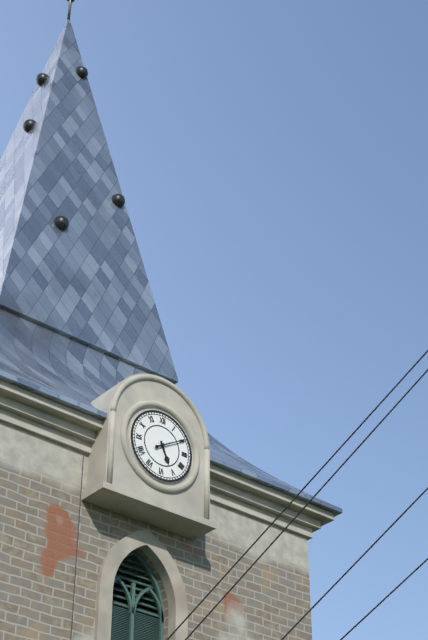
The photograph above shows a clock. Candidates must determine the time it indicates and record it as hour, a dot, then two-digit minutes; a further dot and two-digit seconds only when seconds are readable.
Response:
5.10
